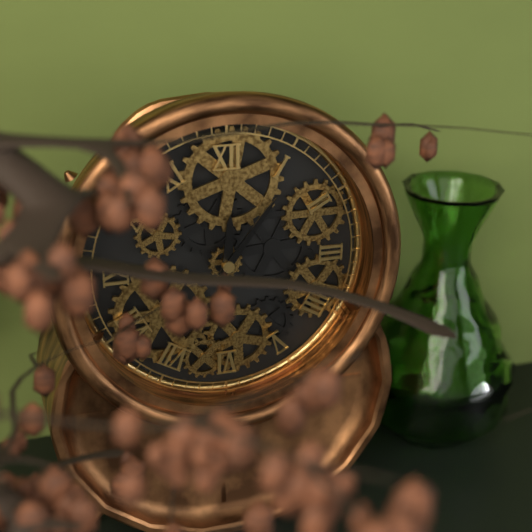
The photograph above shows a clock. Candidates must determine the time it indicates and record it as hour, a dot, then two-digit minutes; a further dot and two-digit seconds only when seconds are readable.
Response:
12.06
